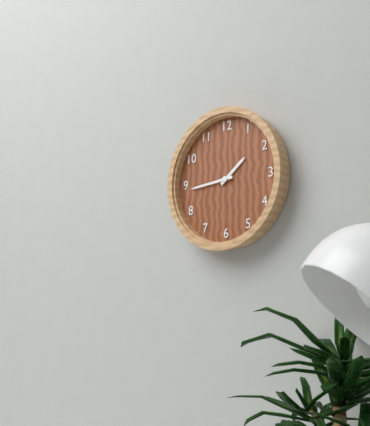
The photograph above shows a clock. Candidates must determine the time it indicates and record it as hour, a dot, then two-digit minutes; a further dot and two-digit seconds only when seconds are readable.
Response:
1.44
